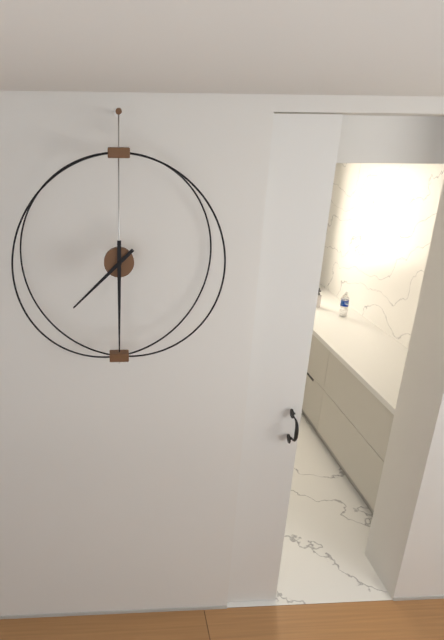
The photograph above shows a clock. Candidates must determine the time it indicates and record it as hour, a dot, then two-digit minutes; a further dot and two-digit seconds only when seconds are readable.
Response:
7.30
